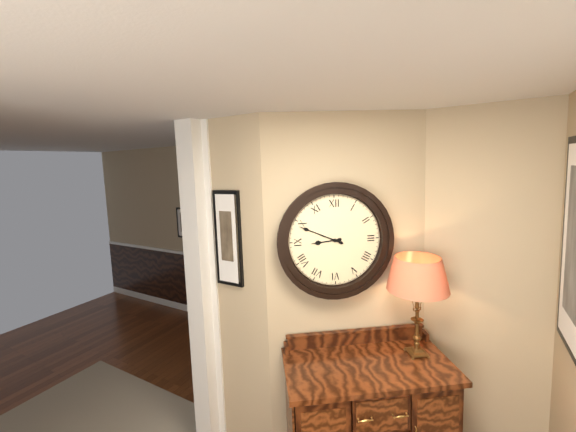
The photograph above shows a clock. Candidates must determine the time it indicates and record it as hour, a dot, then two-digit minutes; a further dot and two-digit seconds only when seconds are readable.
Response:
8.49
